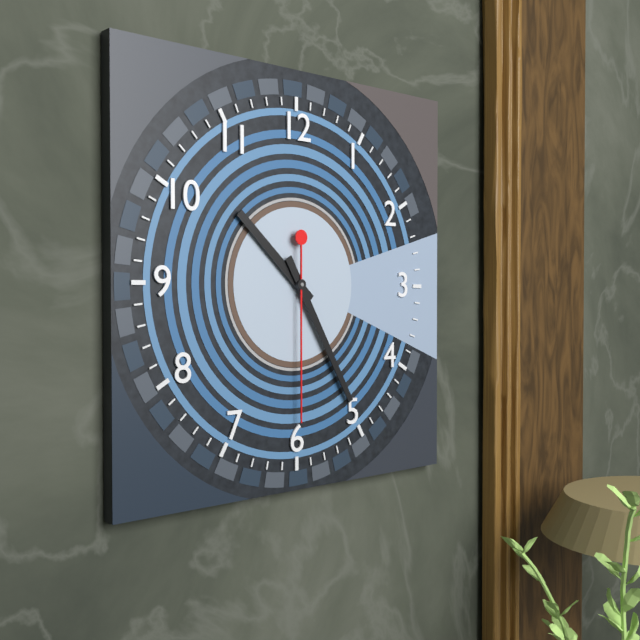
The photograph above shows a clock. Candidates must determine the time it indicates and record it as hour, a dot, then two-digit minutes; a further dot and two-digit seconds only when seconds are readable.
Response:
10.25.30
